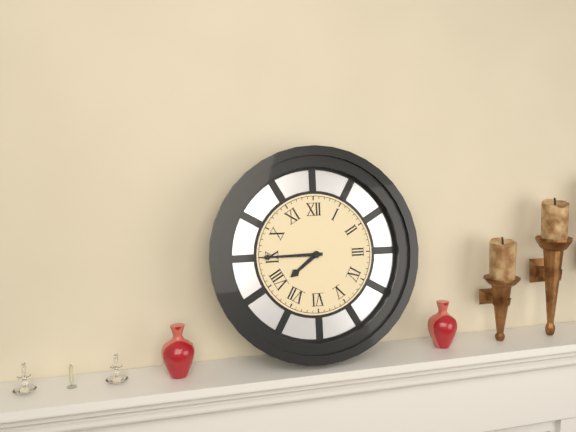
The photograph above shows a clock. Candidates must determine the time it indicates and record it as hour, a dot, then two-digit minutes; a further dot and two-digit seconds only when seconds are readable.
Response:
7.45
